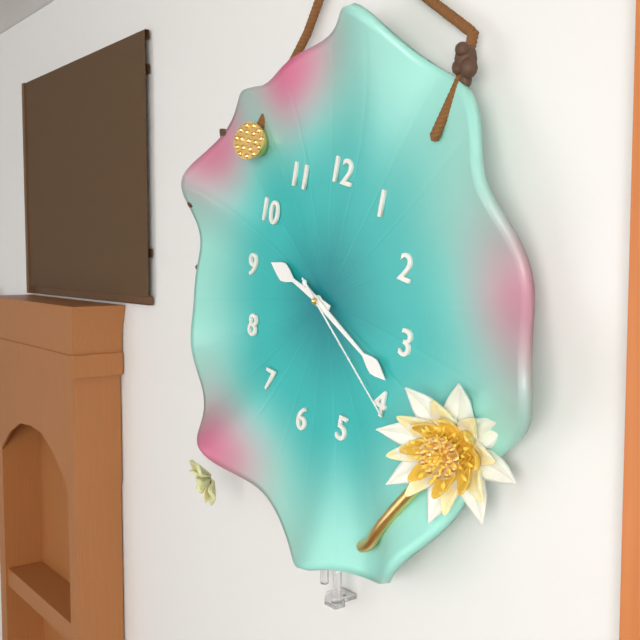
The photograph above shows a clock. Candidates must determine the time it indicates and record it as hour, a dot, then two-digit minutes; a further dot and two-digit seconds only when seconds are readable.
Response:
9.18.20
